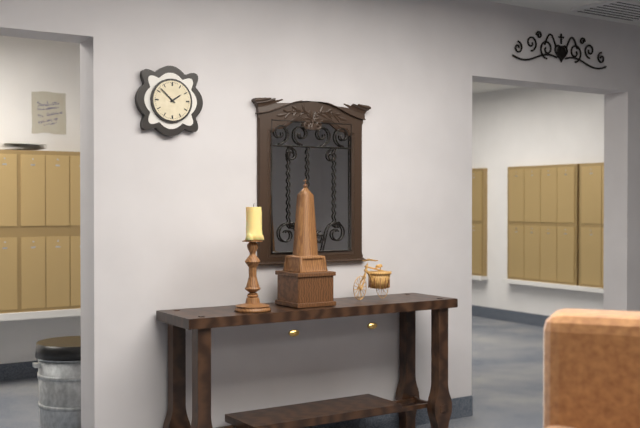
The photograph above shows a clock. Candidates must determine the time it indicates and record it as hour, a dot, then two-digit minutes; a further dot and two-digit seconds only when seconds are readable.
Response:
1.52
